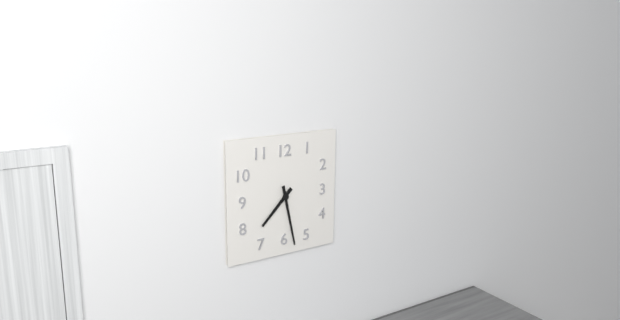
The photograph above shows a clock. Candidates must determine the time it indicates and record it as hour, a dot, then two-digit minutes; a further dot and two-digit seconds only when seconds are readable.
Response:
7.28
